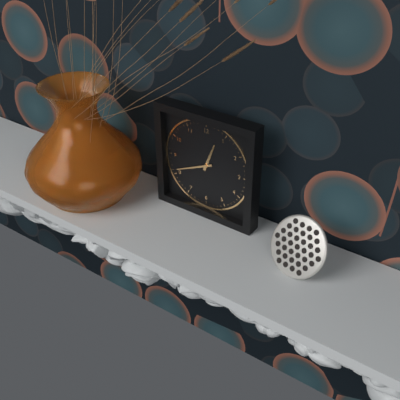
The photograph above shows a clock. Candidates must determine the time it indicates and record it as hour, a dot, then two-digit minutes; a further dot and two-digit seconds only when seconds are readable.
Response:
12.41
